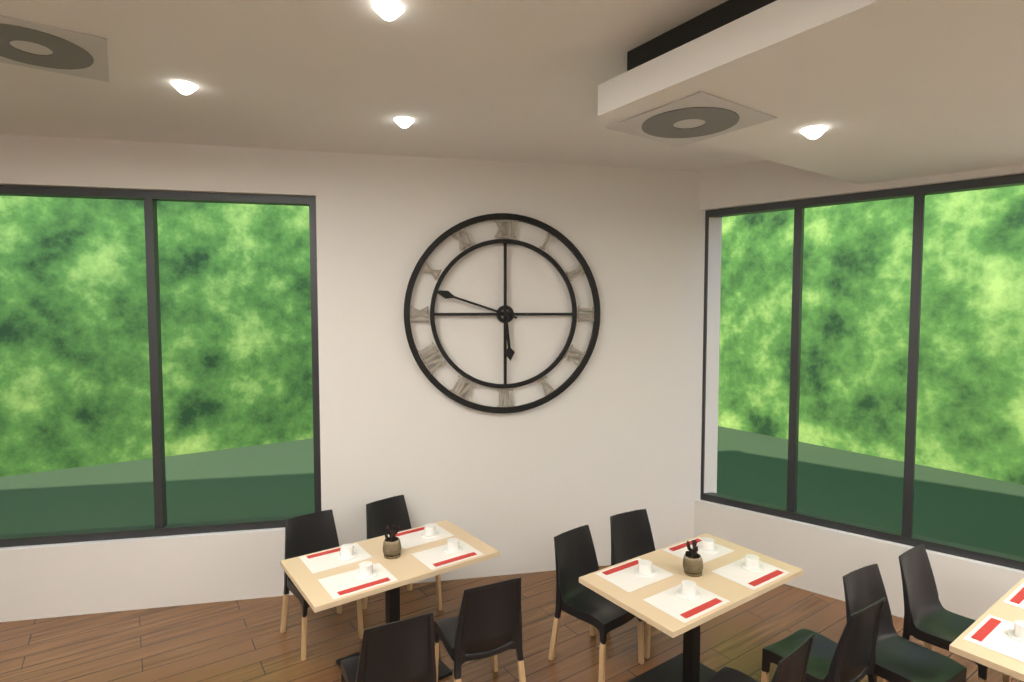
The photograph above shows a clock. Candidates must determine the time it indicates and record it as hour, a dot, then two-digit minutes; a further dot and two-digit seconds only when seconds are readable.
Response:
5.48
